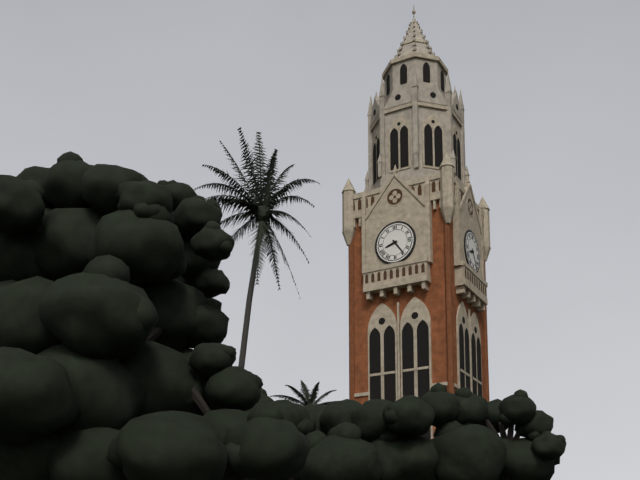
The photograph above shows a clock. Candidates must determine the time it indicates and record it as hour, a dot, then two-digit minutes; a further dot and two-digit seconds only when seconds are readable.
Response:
8.24
